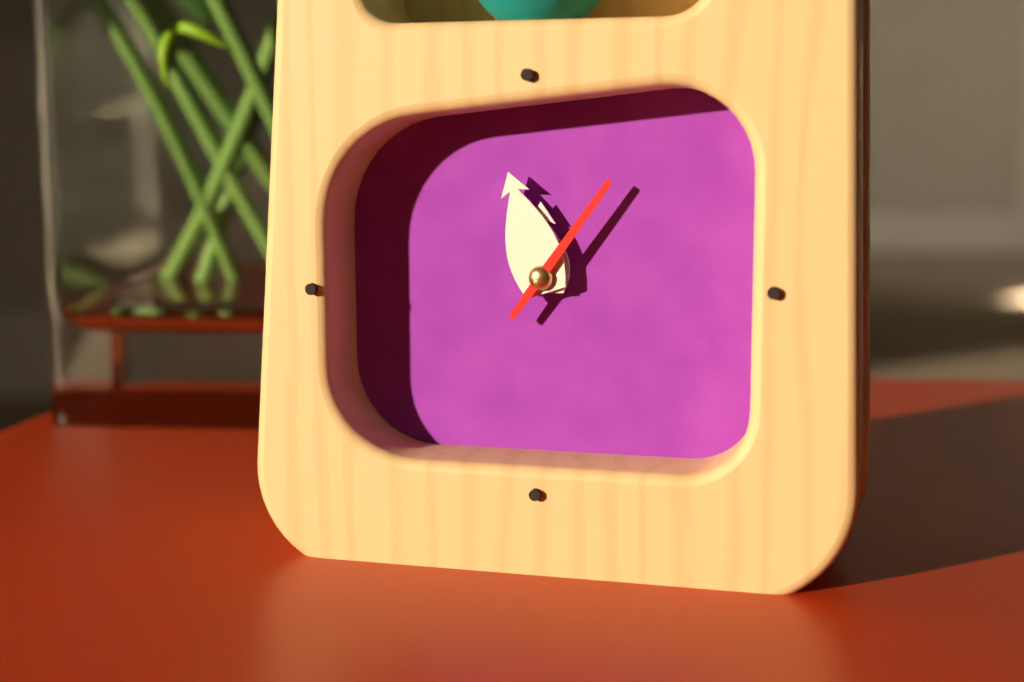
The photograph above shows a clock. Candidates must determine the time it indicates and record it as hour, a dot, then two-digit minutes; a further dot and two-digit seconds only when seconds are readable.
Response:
11.57.06
